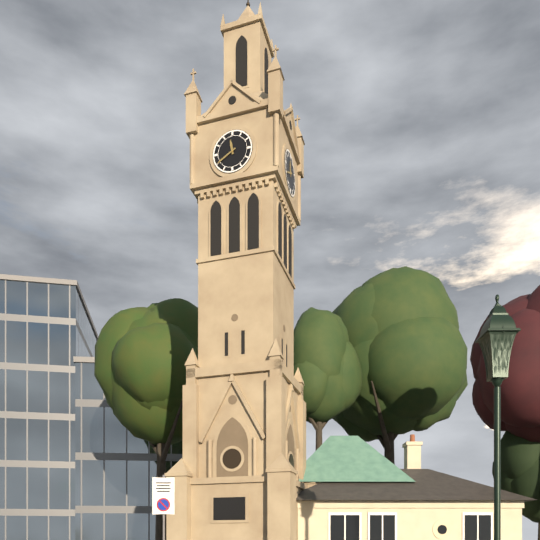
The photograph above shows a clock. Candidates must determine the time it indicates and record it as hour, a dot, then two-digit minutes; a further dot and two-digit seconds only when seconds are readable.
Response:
11.40
